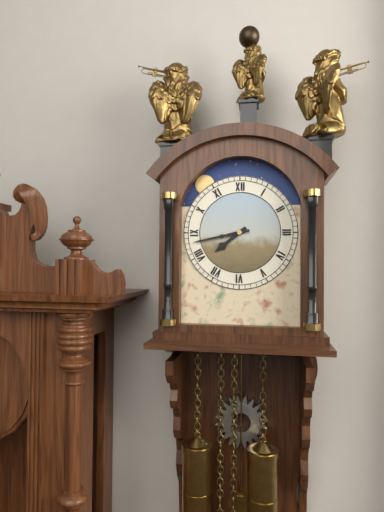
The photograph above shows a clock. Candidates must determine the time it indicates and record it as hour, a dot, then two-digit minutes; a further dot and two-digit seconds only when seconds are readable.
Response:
7.43
